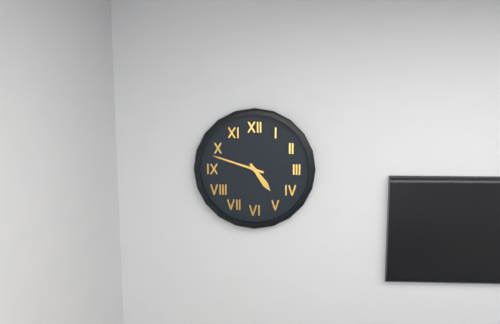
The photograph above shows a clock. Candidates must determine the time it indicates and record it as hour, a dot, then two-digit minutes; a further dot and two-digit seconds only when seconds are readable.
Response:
4.48
